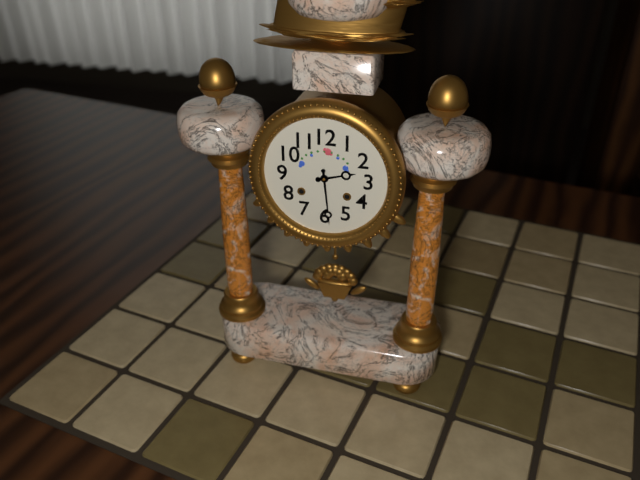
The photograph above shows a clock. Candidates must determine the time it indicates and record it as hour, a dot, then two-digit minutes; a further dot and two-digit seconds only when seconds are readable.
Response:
2.29
